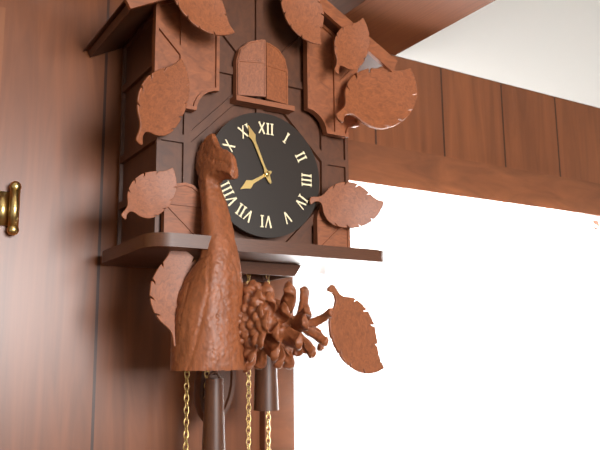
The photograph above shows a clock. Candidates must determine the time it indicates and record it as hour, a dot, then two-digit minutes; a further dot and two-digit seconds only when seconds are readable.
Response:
7.56
